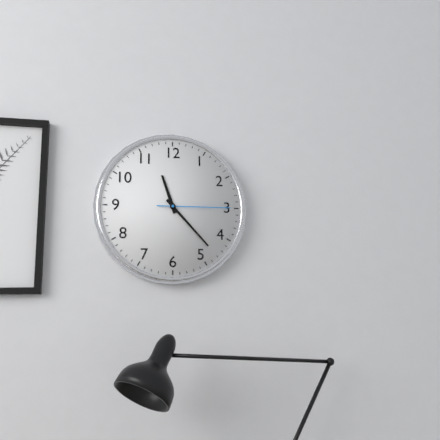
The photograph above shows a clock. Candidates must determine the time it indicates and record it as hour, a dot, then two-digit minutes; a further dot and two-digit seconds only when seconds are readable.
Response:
11.23.15
